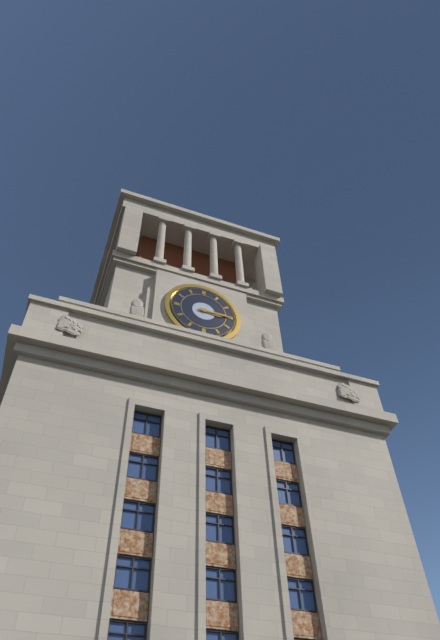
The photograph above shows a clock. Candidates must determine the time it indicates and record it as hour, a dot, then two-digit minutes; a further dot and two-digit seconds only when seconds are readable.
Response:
3.15
